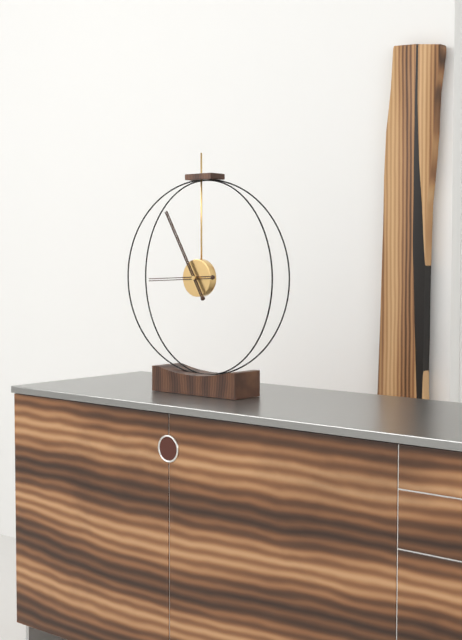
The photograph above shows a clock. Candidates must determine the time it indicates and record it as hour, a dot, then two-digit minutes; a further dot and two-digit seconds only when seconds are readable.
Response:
8.55
